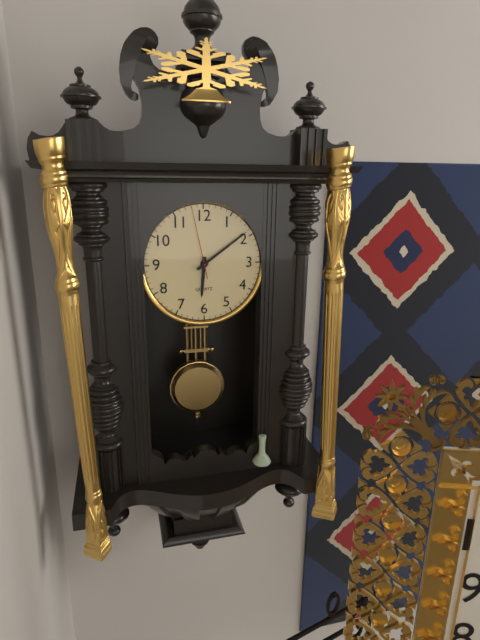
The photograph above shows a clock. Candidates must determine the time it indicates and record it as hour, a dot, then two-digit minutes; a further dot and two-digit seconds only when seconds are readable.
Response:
6.09.58
